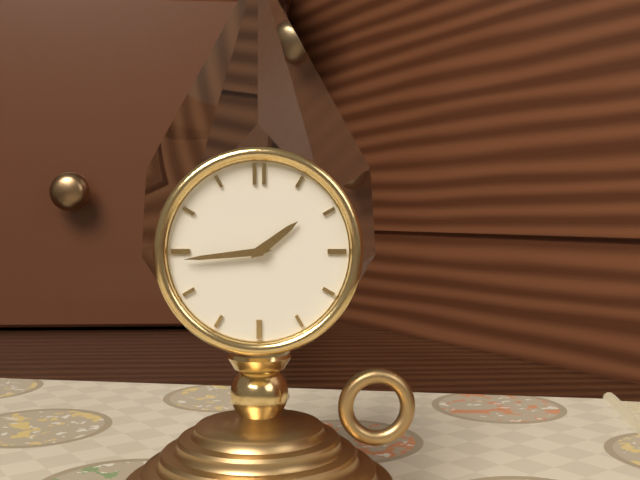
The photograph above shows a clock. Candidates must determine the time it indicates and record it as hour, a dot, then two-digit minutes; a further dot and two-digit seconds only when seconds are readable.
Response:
1.44
